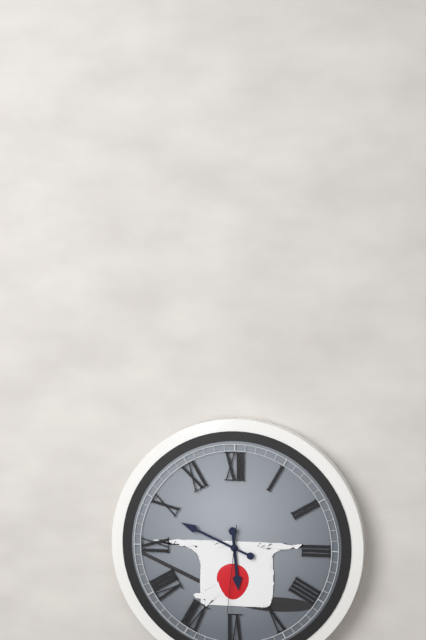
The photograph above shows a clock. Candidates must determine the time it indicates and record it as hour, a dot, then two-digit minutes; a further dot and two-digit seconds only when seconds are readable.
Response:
5.49.31
